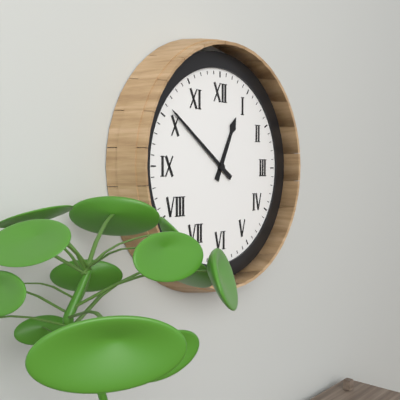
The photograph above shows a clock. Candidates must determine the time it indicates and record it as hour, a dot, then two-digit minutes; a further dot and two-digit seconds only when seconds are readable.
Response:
12.51
